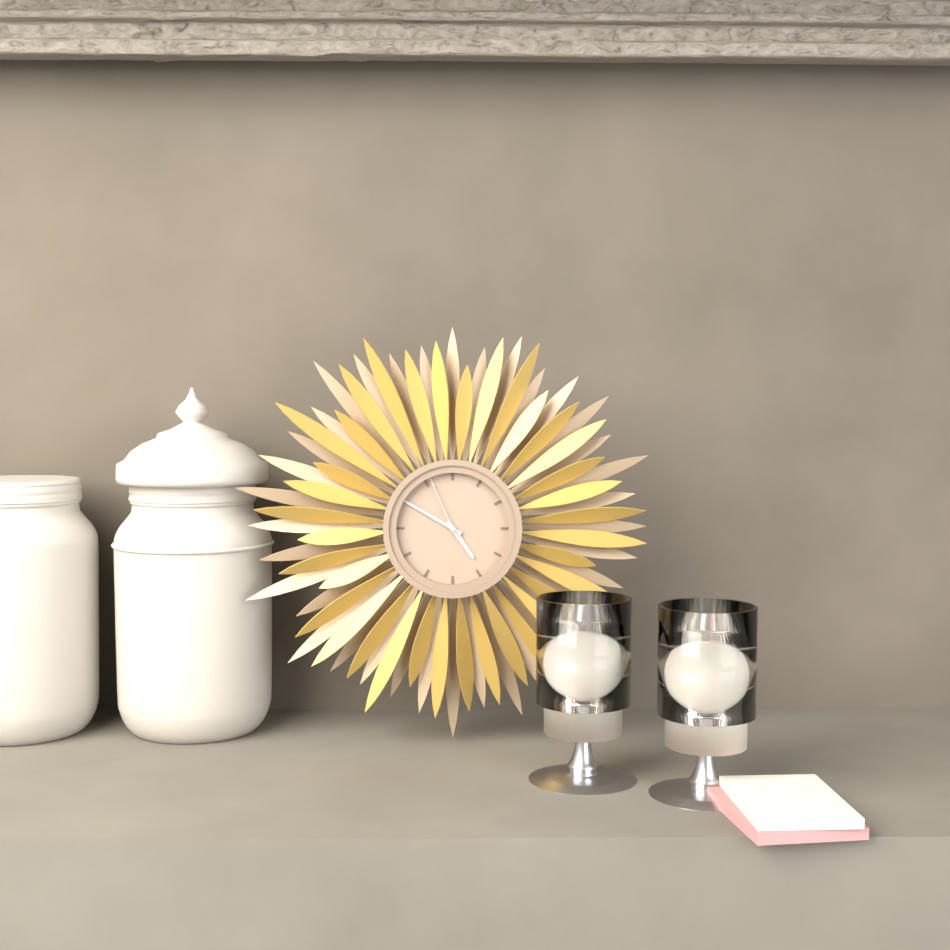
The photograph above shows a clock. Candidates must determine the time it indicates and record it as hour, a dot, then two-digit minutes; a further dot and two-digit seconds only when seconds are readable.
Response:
4.50.56
